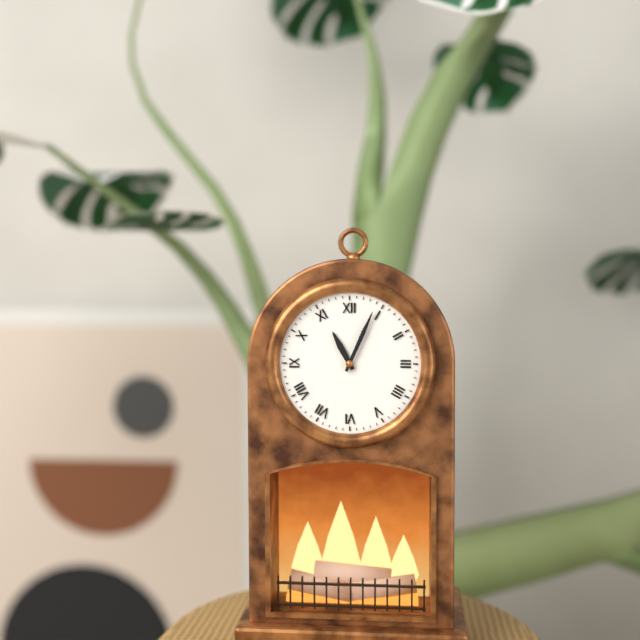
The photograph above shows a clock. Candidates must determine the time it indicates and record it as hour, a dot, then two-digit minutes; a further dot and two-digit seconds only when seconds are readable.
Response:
11.04
